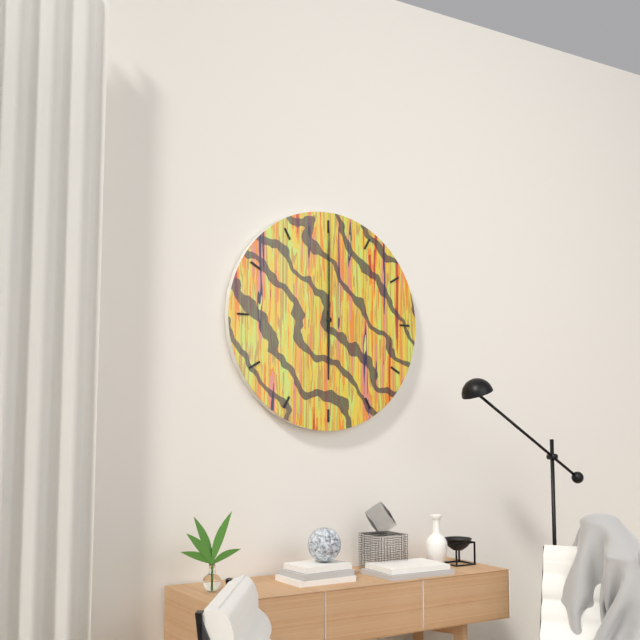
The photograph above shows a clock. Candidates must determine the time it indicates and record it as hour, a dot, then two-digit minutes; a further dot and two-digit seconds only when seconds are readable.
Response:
6.00
